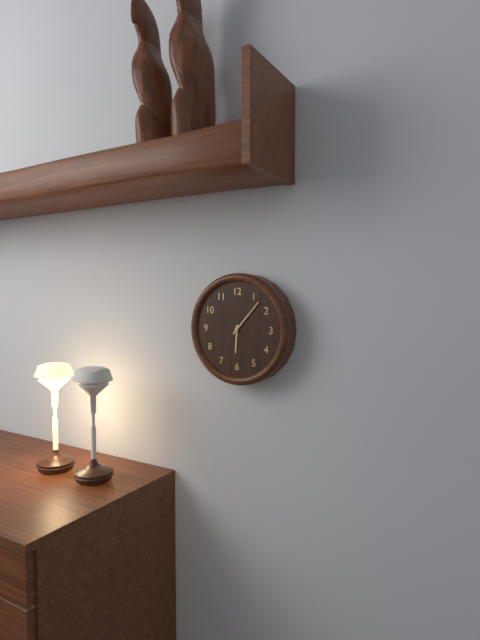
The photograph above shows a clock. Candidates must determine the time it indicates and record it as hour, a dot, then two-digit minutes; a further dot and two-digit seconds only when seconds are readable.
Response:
6.07
